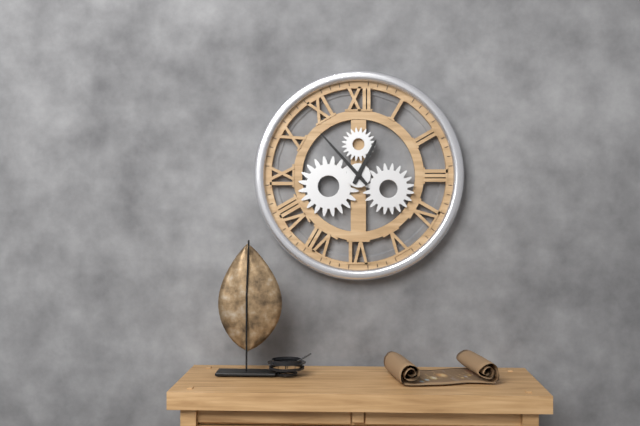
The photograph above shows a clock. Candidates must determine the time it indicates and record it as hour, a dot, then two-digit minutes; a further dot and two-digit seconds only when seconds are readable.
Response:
12.53
